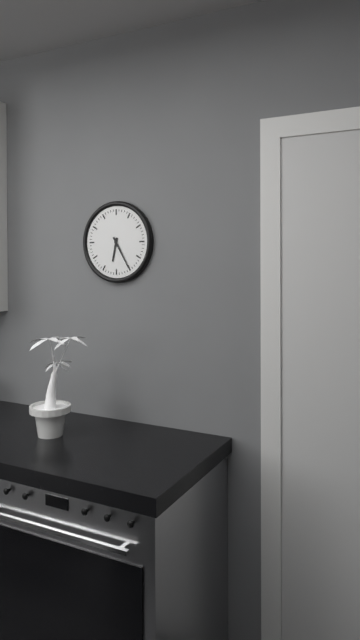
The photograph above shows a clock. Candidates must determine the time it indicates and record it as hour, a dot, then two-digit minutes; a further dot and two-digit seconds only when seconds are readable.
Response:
6.25
